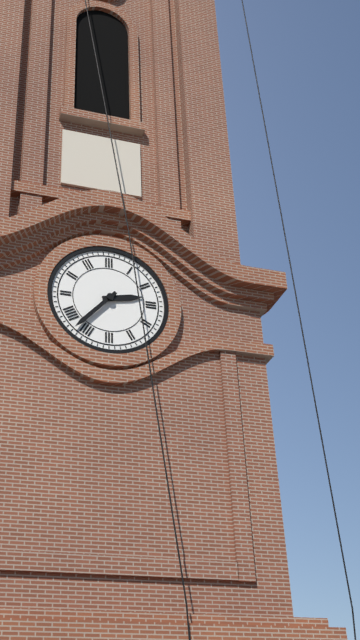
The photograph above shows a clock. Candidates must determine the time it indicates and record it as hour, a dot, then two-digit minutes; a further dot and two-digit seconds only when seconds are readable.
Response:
2.37
